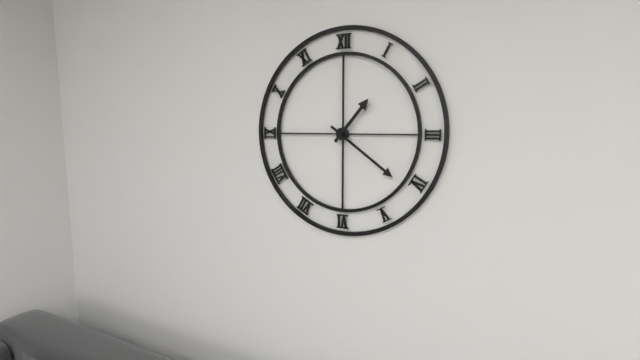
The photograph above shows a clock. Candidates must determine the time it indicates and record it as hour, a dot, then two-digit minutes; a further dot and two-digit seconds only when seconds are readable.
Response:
1.21
